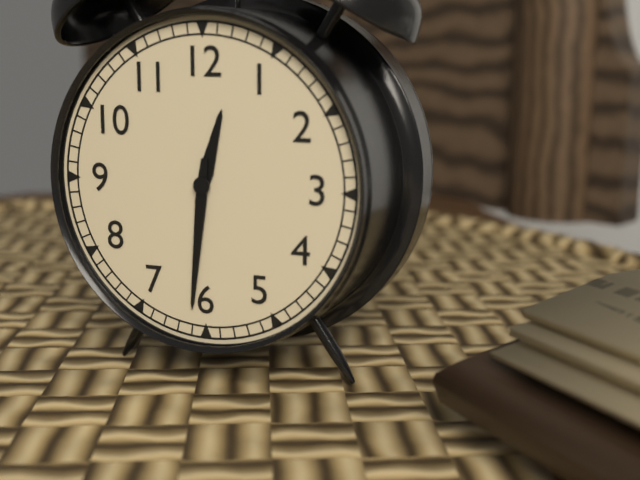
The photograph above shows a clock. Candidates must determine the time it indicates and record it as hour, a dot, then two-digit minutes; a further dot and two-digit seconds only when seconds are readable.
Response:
12.31
